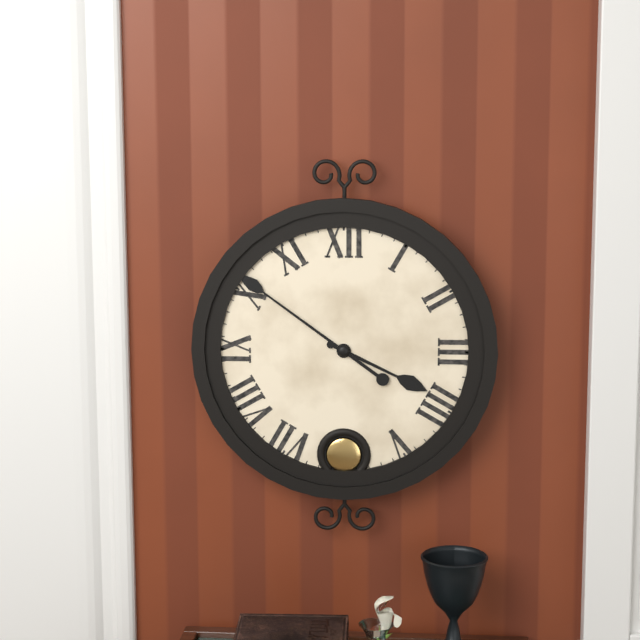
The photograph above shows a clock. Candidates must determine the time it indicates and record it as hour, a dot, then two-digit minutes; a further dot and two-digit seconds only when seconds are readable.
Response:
3.51
